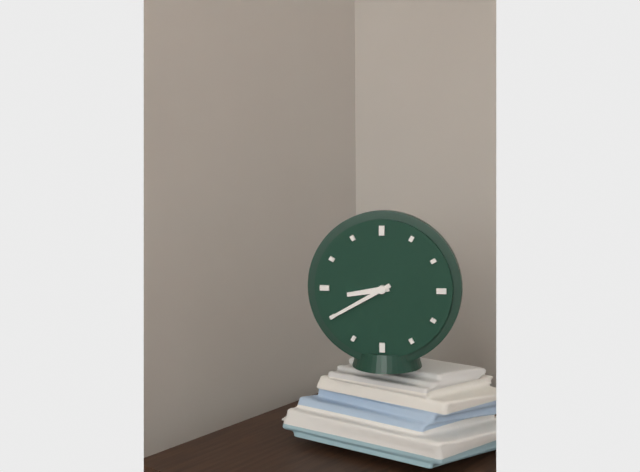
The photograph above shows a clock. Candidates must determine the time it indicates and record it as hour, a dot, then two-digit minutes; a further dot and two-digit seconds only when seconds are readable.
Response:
8.40
